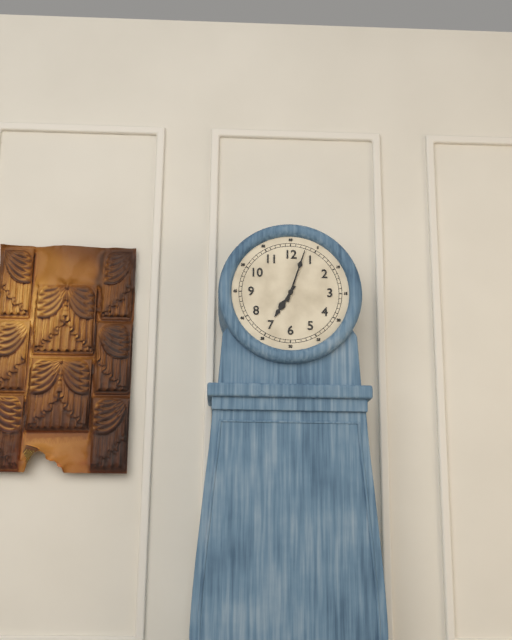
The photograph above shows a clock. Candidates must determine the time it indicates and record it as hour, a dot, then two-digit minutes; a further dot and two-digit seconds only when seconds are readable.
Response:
7.03
